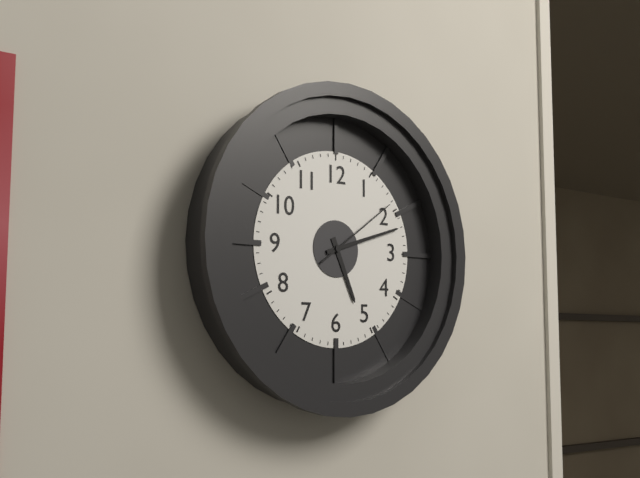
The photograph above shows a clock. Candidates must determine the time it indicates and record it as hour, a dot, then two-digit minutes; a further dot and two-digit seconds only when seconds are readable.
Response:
5.12.09
